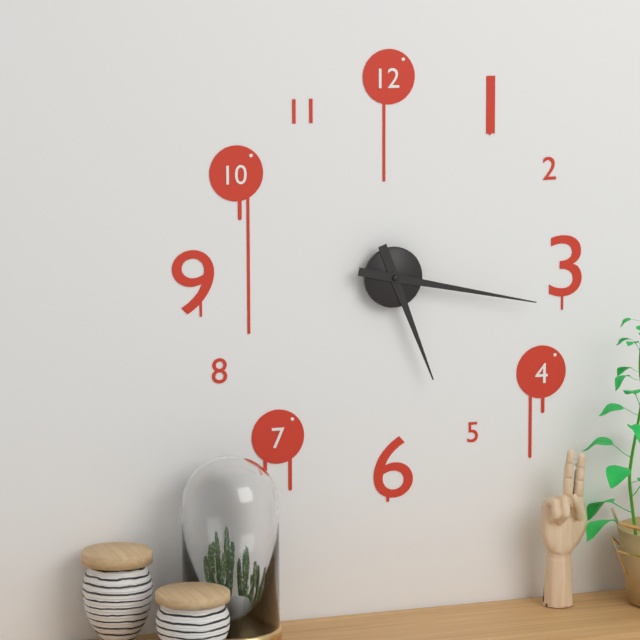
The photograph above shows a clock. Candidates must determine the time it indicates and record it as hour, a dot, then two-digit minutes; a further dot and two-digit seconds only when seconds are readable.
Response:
5.17
